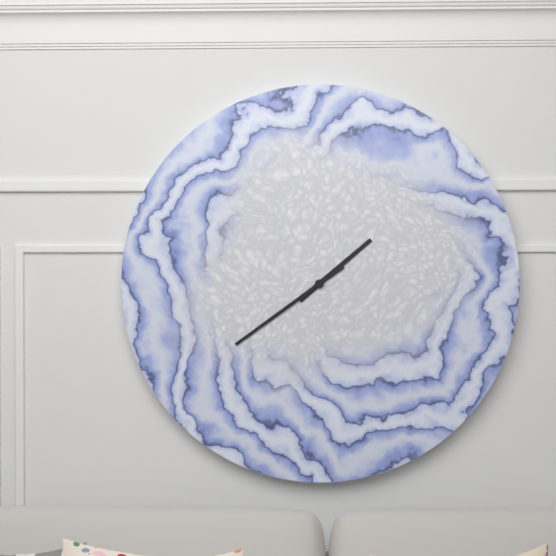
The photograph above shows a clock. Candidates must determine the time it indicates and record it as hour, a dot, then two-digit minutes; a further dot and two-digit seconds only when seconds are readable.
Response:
1.39
